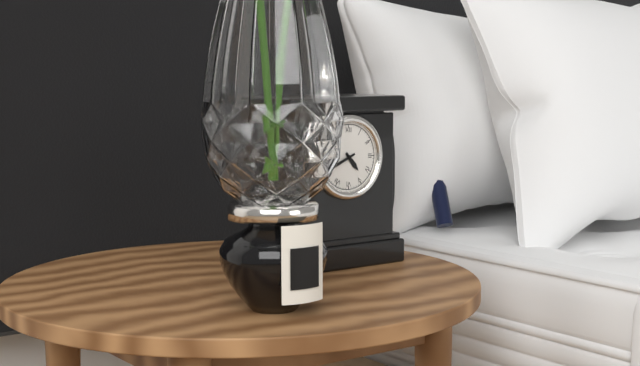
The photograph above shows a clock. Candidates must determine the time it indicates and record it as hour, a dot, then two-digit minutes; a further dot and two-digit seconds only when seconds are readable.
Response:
4.41
